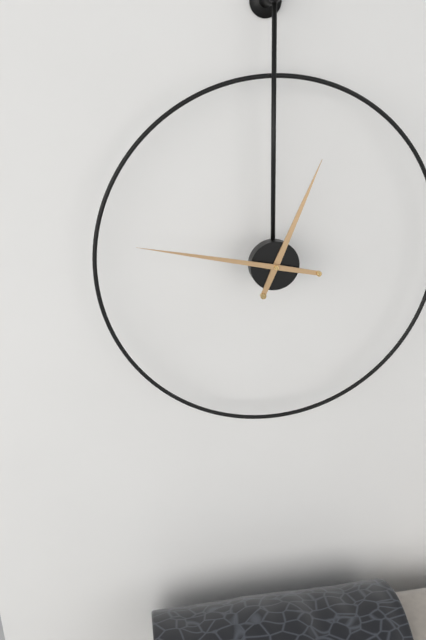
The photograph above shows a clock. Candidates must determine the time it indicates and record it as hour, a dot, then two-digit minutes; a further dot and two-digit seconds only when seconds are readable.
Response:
12.47
